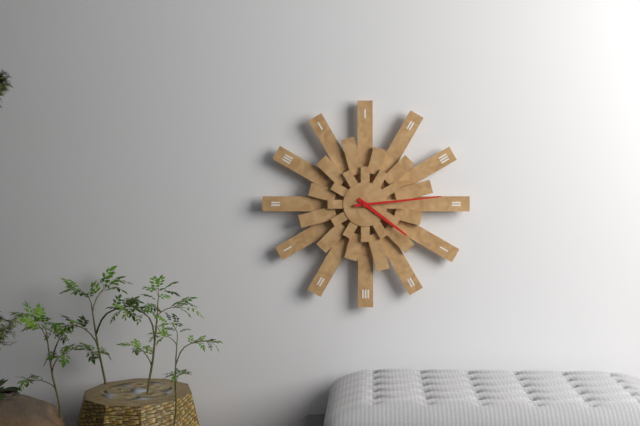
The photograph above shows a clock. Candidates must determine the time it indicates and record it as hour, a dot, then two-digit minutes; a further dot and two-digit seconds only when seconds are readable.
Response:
4.14
